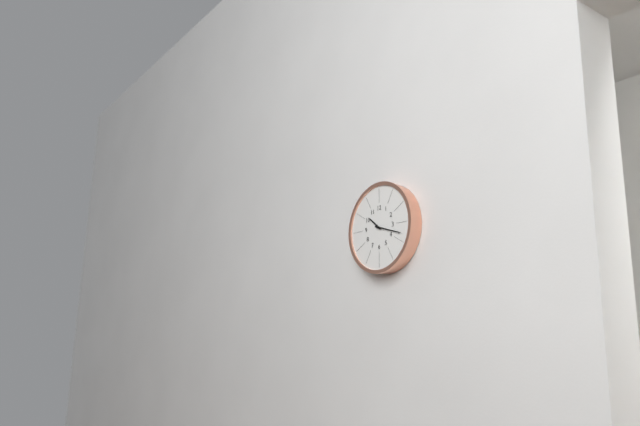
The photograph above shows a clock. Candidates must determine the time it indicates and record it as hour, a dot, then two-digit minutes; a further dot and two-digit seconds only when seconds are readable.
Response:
10.18
